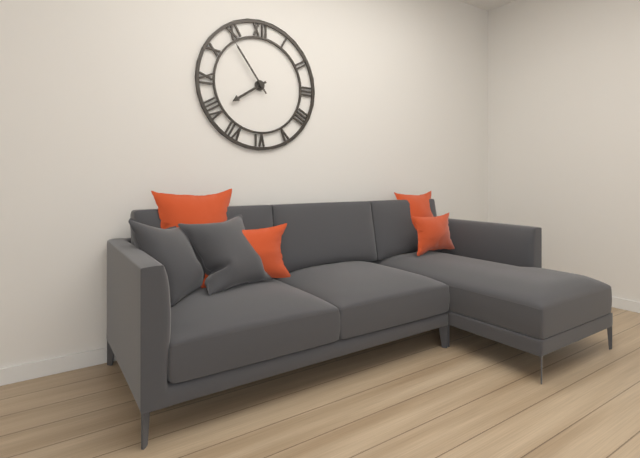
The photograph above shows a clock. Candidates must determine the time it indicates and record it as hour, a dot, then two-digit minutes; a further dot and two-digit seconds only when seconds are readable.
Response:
7.54
